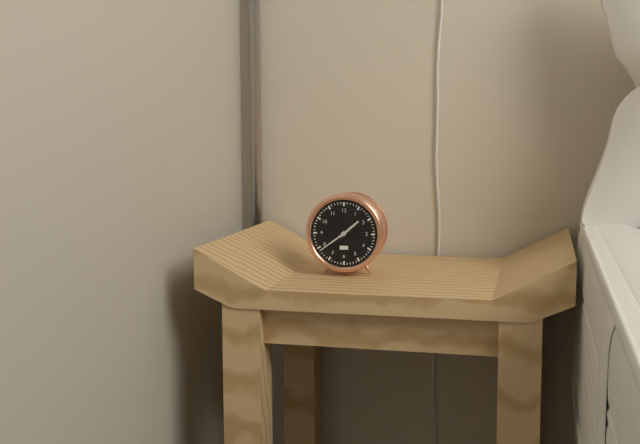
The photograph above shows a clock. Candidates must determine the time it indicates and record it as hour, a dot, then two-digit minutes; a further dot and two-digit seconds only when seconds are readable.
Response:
1.39
